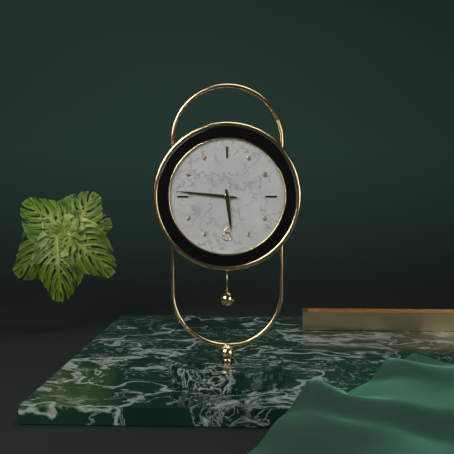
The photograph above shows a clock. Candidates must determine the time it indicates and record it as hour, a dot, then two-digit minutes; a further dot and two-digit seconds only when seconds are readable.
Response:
5.46
